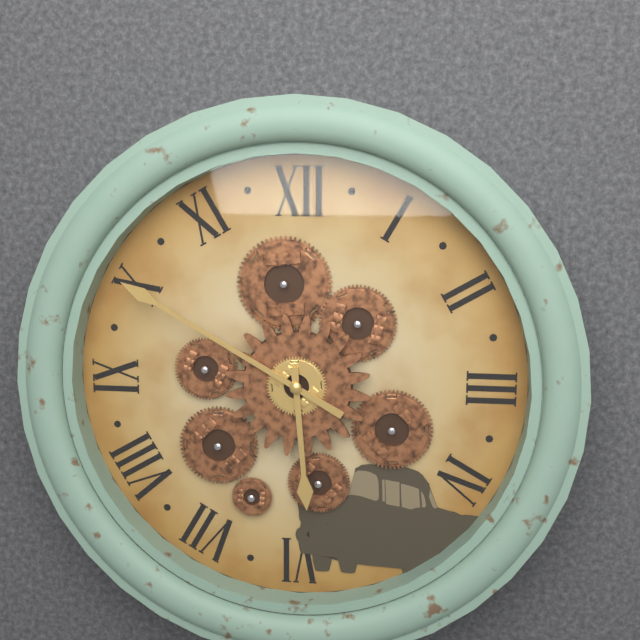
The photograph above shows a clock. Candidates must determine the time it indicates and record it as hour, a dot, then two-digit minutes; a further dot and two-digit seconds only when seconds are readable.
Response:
5.50
